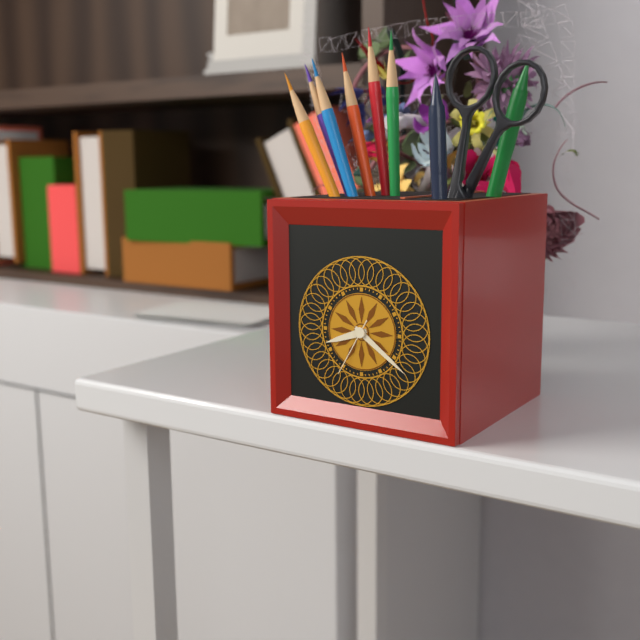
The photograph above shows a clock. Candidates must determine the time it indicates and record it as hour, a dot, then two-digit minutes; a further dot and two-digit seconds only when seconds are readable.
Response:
8.21.35
